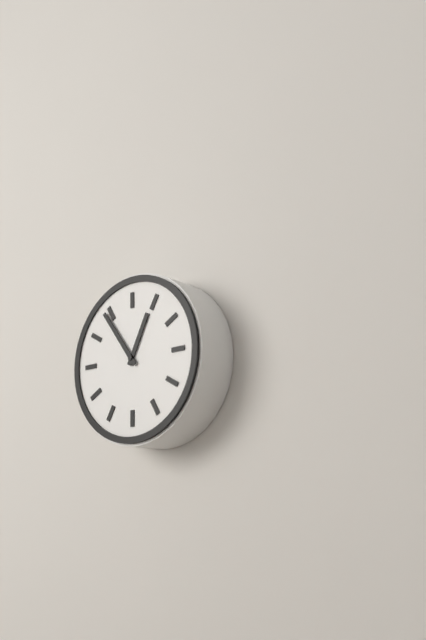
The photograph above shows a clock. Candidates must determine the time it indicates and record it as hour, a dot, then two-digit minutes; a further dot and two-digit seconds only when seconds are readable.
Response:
12.54
